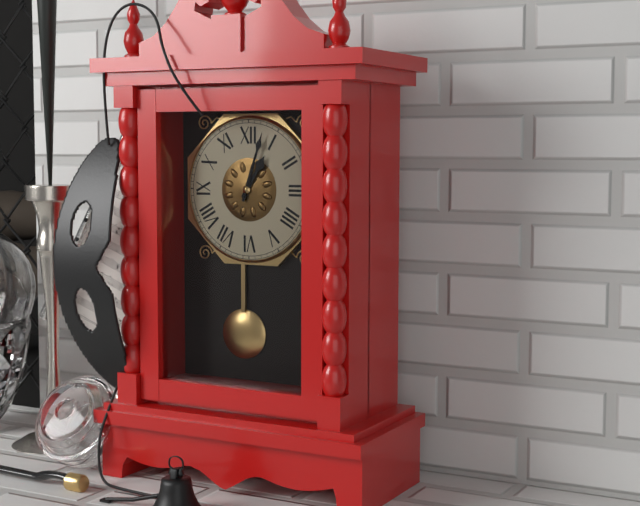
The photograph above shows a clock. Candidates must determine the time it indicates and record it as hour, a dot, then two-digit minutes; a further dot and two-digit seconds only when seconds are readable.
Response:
1.03
